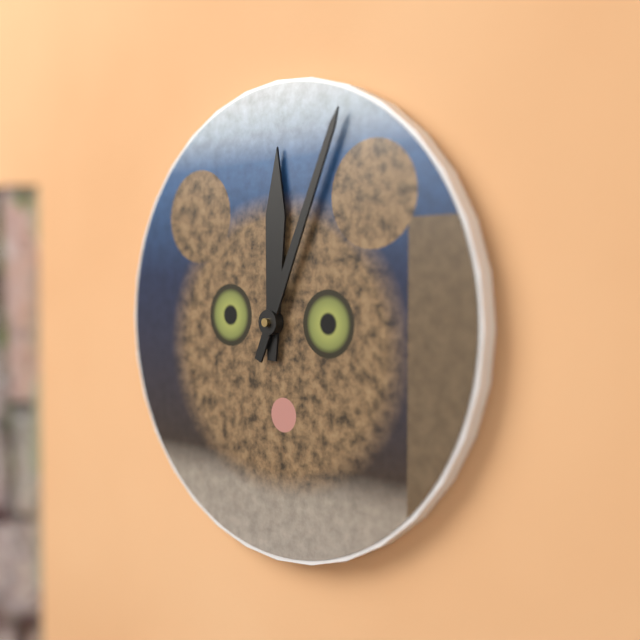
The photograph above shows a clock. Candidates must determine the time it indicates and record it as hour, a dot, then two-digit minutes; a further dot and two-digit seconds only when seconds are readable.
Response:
12.04
